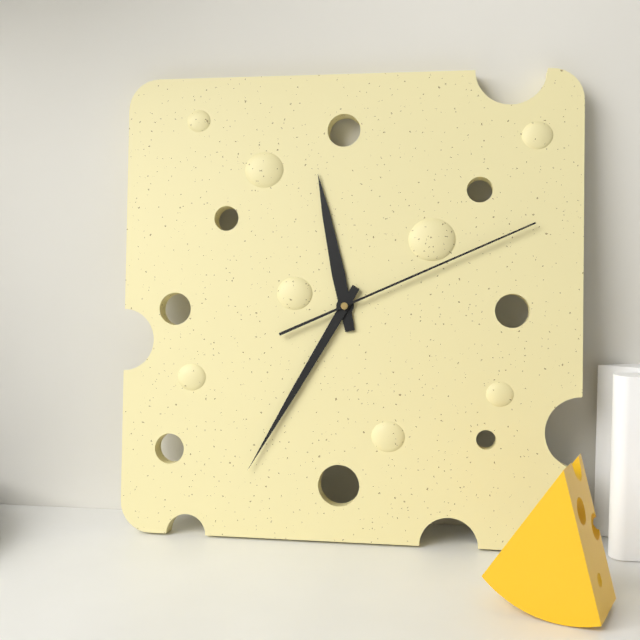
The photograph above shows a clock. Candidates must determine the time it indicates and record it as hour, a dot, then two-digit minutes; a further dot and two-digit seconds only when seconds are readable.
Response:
11.35.11
